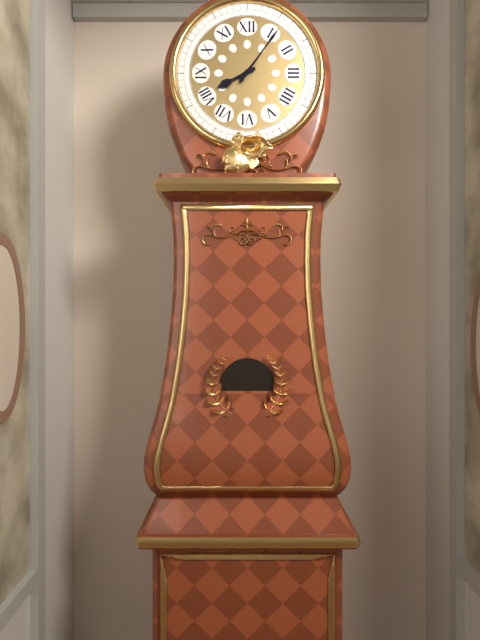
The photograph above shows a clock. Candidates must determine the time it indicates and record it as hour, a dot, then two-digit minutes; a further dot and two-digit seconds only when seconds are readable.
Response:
8.06
